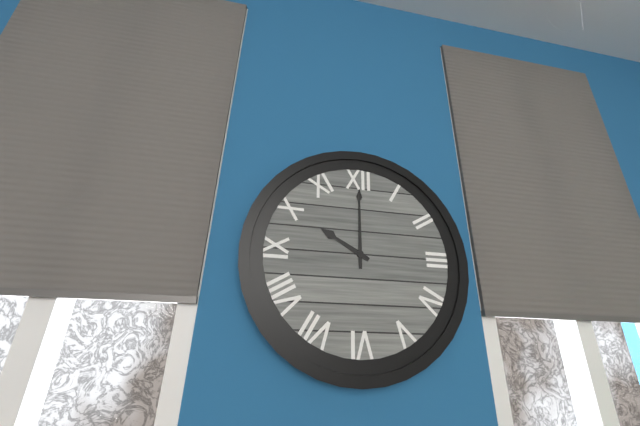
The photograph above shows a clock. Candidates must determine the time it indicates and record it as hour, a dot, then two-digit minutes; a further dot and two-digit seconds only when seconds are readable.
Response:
10.00
